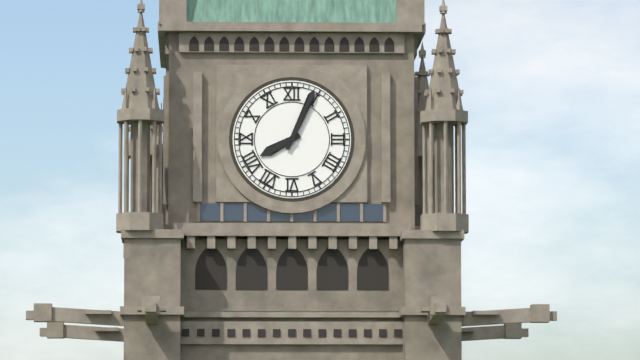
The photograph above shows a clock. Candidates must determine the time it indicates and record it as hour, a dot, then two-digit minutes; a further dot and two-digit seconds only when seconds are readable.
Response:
8.04
